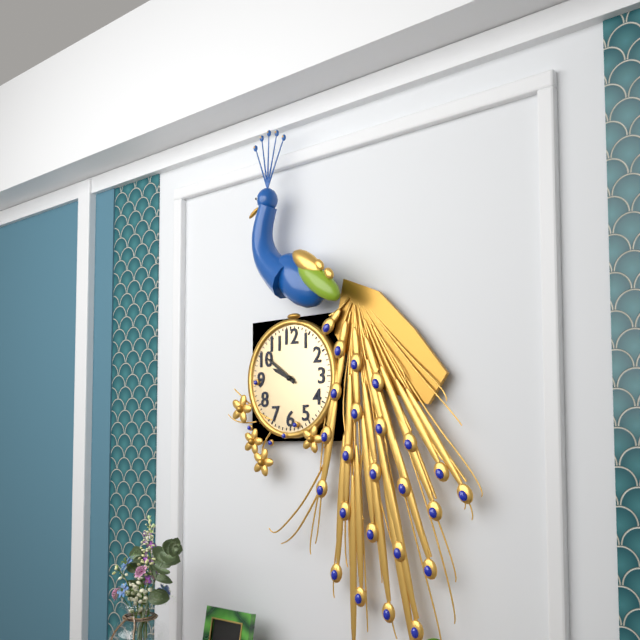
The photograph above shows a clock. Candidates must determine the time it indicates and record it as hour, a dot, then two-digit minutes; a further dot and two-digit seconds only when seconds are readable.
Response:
9.51
